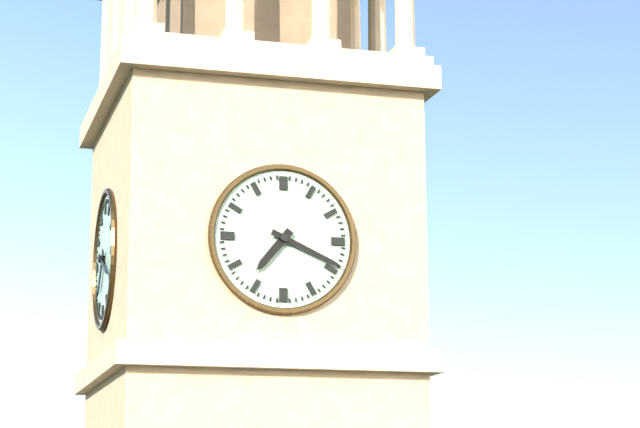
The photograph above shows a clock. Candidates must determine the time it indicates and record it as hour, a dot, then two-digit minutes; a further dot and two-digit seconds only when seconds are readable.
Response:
7.19
